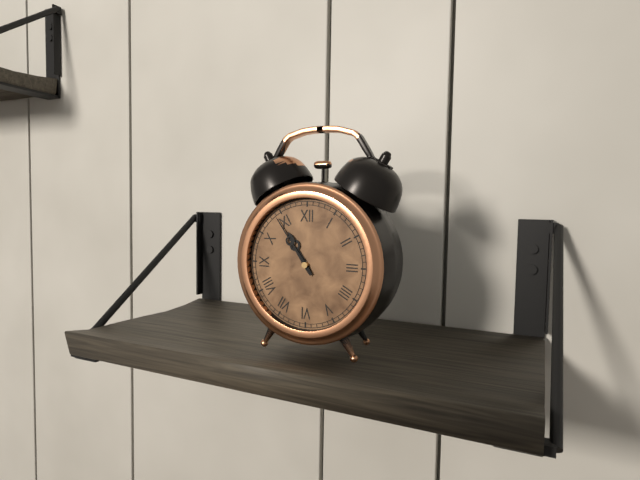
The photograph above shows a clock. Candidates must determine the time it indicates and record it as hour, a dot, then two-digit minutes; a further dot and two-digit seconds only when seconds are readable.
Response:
10.54
